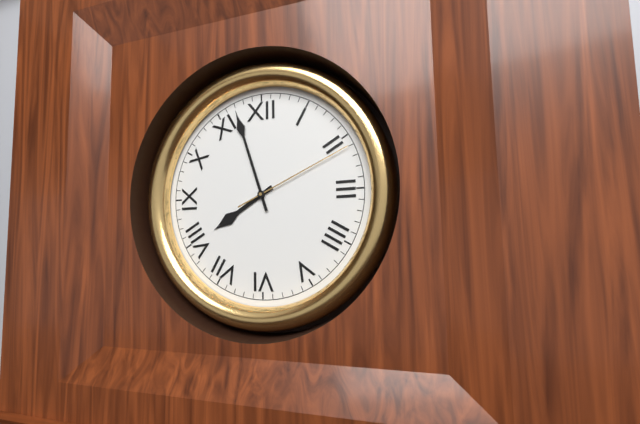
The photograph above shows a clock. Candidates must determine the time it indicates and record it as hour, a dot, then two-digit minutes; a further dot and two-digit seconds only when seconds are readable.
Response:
7.57.11
